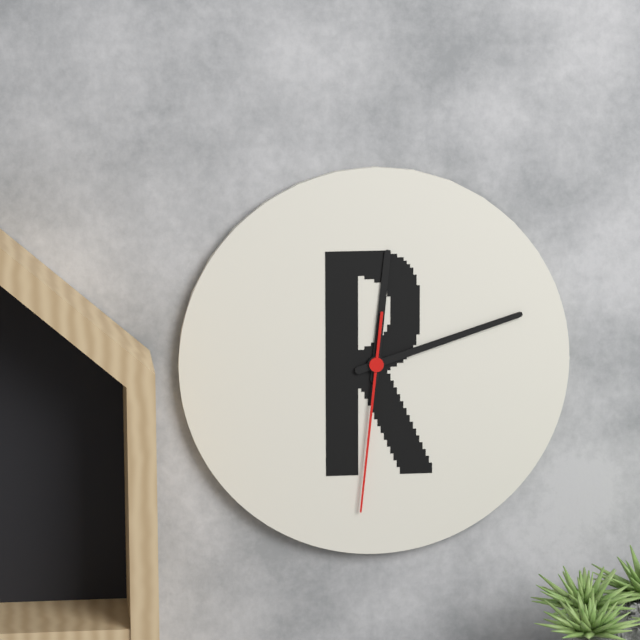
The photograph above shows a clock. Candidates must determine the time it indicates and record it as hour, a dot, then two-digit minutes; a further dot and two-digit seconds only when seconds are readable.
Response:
12.12.31
